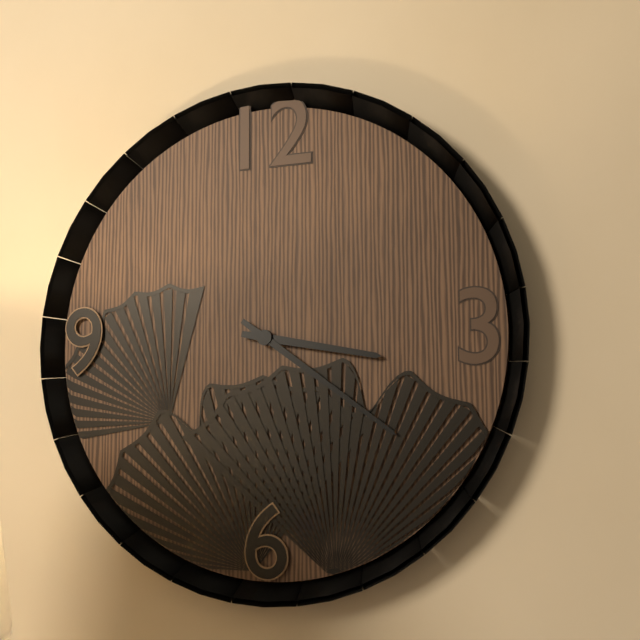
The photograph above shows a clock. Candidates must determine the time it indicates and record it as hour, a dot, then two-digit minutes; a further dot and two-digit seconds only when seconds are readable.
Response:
3.21
